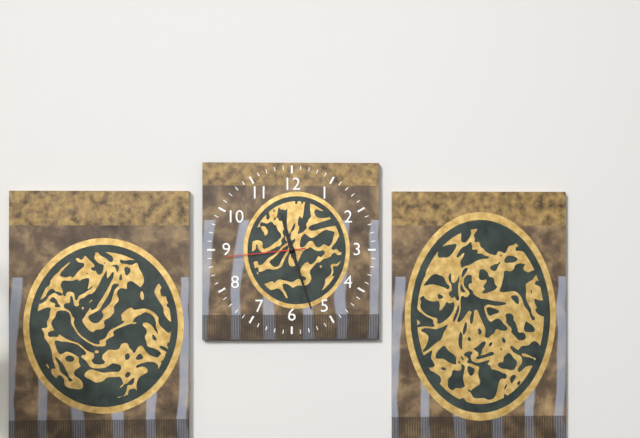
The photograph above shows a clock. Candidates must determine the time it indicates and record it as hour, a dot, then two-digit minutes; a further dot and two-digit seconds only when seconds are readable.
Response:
11.27.44
